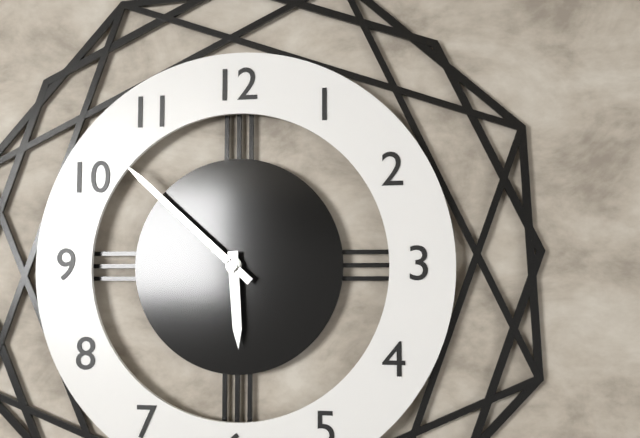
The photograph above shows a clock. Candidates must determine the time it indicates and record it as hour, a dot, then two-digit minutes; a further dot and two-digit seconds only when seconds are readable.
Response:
5.52
